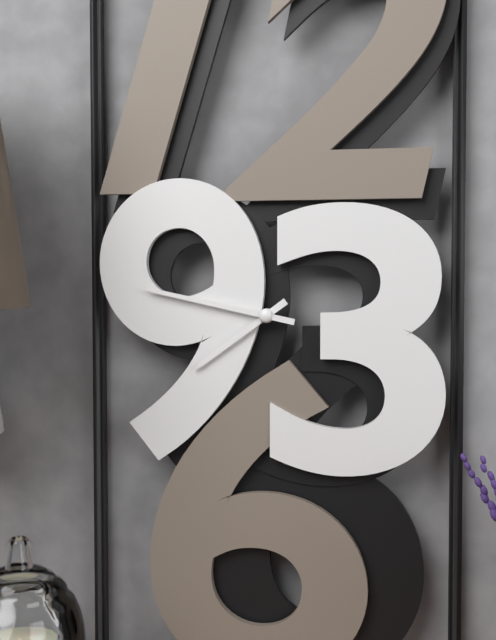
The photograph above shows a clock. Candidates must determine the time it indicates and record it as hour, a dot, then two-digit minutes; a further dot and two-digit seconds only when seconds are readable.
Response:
7.47
